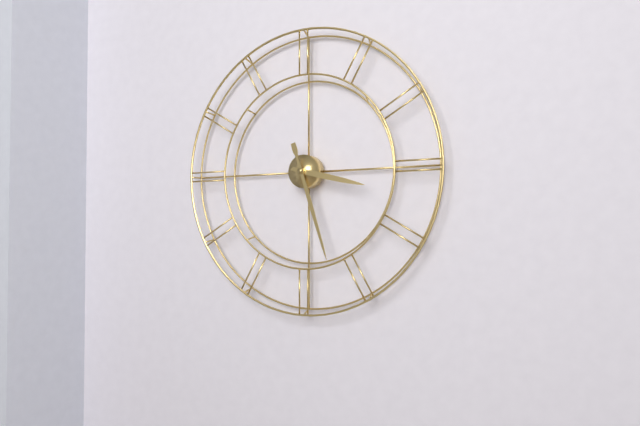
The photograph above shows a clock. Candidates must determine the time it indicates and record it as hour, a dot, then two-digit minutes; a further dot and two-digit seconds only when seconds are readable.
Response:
3.27
